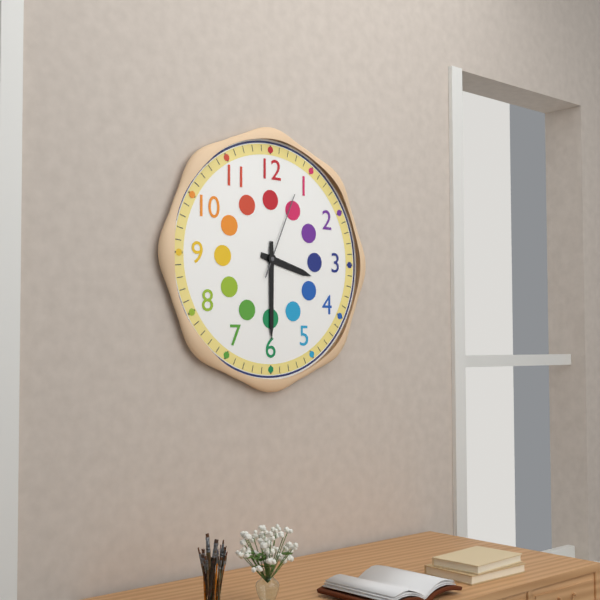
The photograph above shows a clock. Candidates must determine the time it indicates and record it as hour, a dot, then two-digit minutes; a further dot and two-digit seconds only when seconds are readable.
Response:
3.30.04
